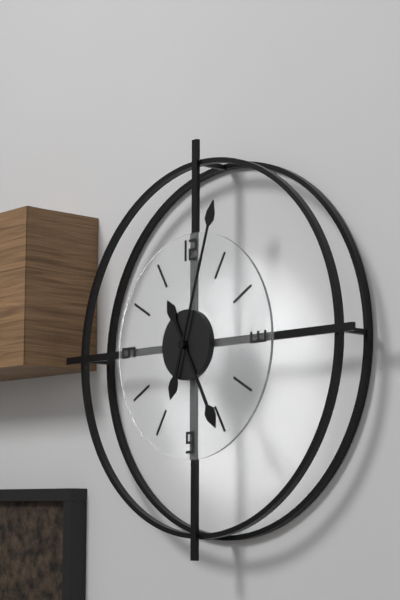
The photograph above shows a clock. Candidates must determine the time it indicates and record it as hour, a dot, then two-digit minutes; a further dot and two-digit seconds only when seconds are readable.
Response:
5.03
